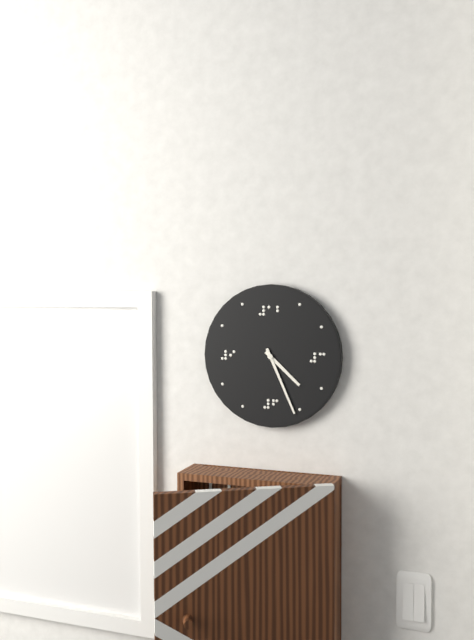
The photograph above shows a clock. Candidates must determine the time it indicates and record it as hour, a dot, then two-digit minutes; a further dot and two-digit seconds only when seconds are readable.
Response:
4.26
